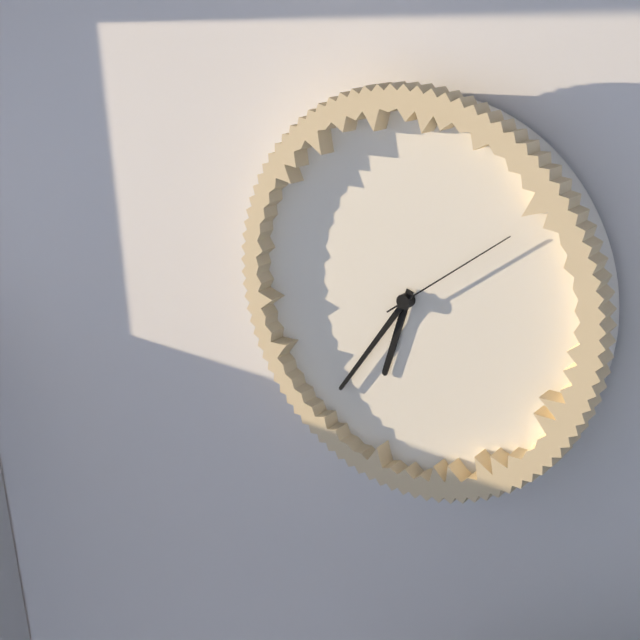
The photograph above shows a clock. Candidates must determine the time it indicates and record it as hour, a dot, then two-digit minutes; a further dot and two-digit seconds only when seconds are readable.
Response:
6.36.09
